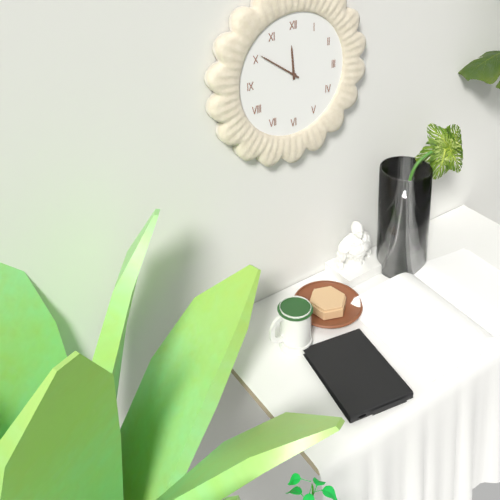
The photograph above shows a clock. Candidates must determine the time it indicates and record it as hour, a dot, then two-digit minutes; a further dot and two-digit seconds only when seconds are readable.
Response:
11.51
